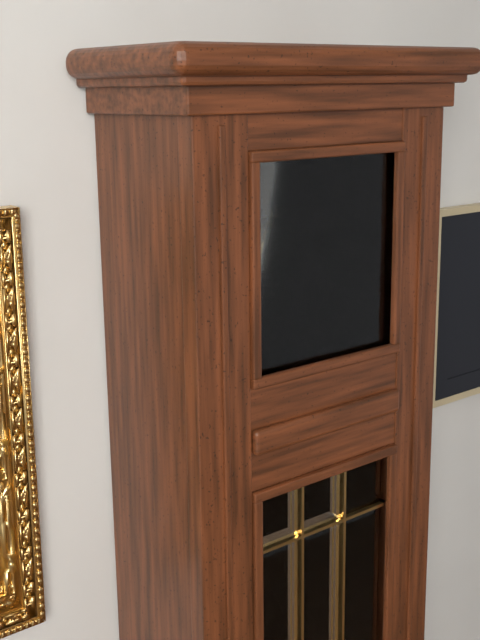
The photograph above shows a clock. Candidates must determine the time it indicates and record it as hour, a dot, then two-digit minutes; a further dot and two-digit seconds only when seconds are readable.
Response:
12.53
